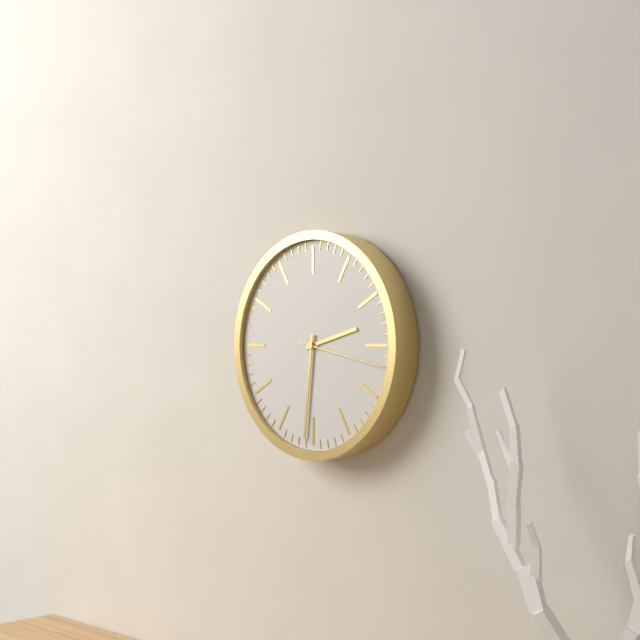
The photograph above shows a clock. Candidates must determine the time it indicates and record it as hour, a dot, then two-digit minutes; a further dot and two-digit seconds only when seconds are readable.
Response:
2.31.17
